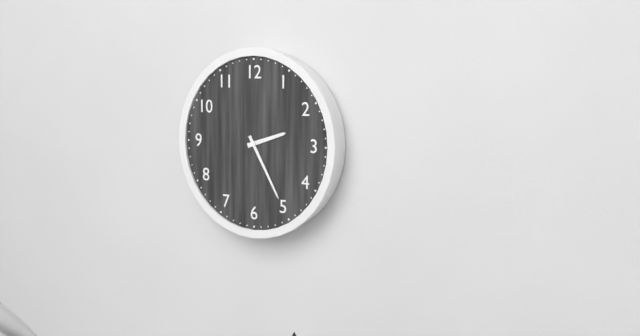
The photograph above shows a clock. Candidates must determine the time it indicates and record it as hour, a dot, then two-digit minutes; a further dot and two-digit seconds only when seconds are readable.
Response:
2.25
